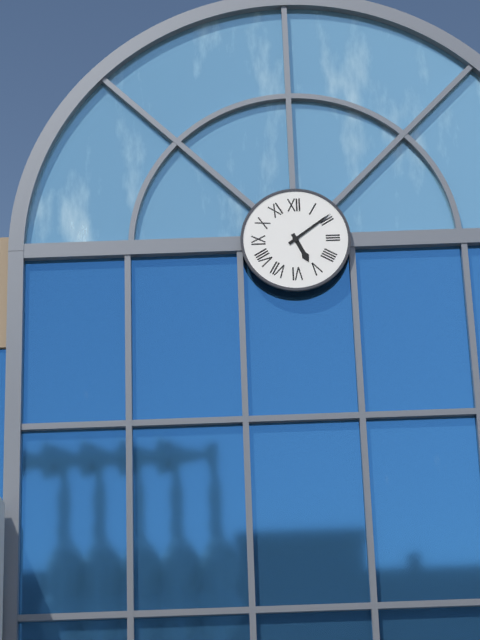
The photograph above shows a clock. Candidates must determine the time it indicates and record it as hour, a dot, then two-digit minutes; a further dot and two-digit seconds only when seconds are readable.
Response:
5.09
